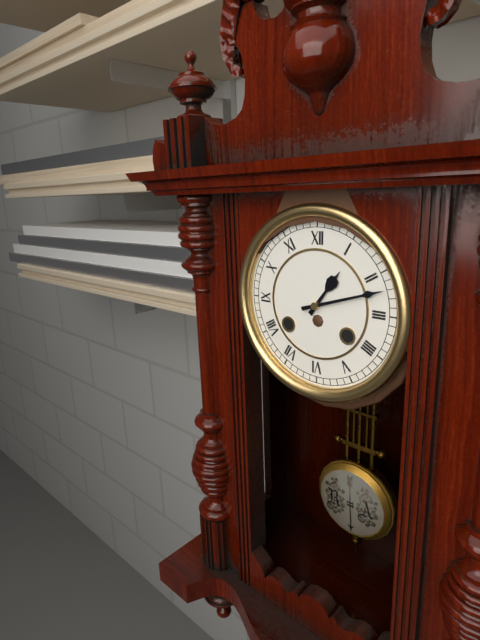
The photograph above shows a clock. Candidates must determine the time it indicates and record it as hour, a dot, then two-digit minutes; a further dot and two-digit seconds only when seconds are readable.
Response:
1.12
